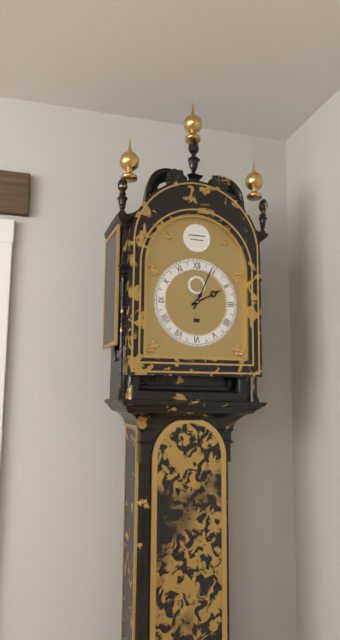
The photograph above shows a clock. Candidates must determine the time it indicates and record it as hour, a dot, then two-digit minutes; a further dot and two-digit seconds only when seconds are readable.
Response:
2.04
